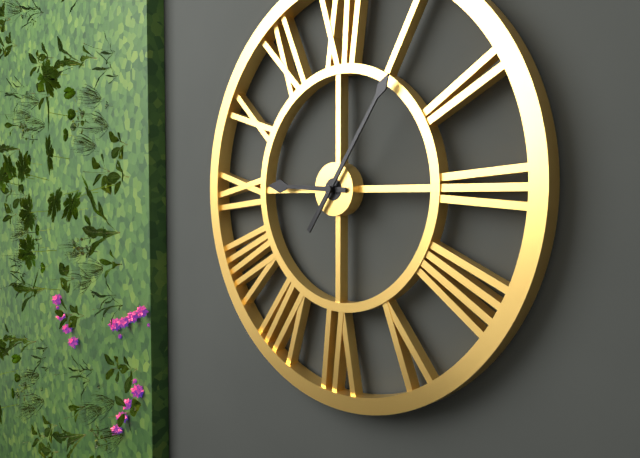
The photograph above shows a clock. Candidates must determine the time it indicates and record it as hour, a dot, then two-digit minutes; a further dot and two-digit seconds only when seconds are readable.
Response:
9.06
